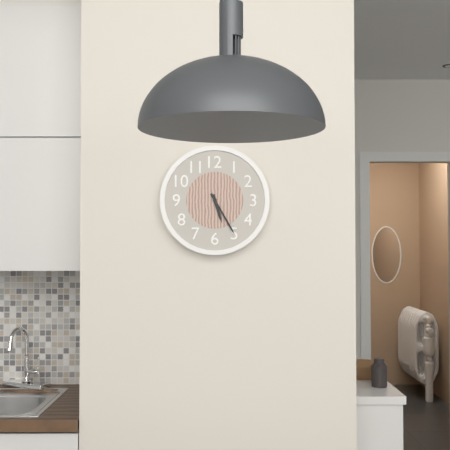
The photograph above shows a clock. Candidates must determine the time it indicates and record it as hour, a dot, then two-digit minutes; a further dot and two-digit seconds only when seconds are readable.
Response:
5.25
